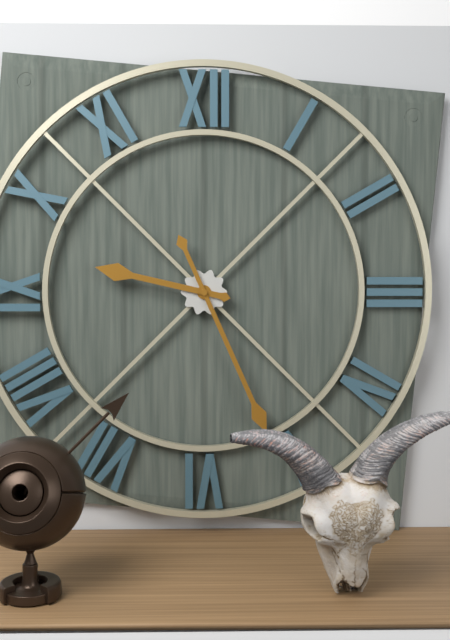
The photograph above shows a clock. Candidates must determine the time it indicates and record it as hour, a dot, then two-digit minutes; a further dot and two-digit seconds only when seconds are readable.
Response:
9.26
